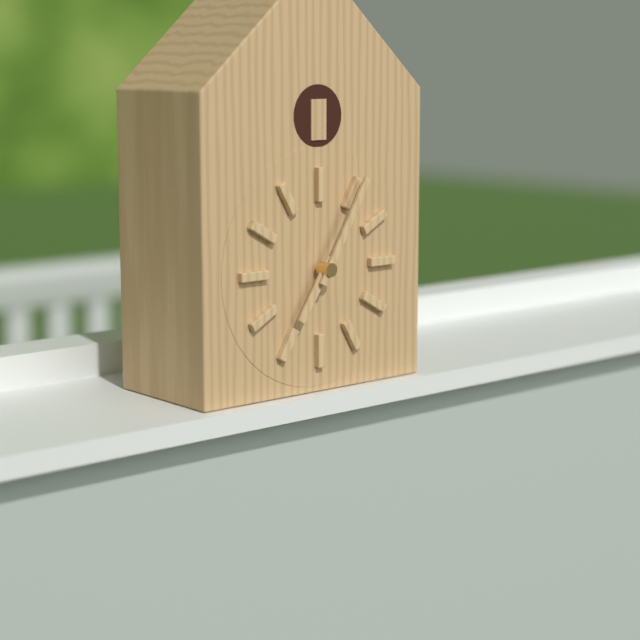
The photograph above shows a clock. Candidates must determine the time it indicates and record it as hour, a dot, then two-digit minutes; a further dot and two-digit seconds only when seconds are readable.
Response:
7.05
